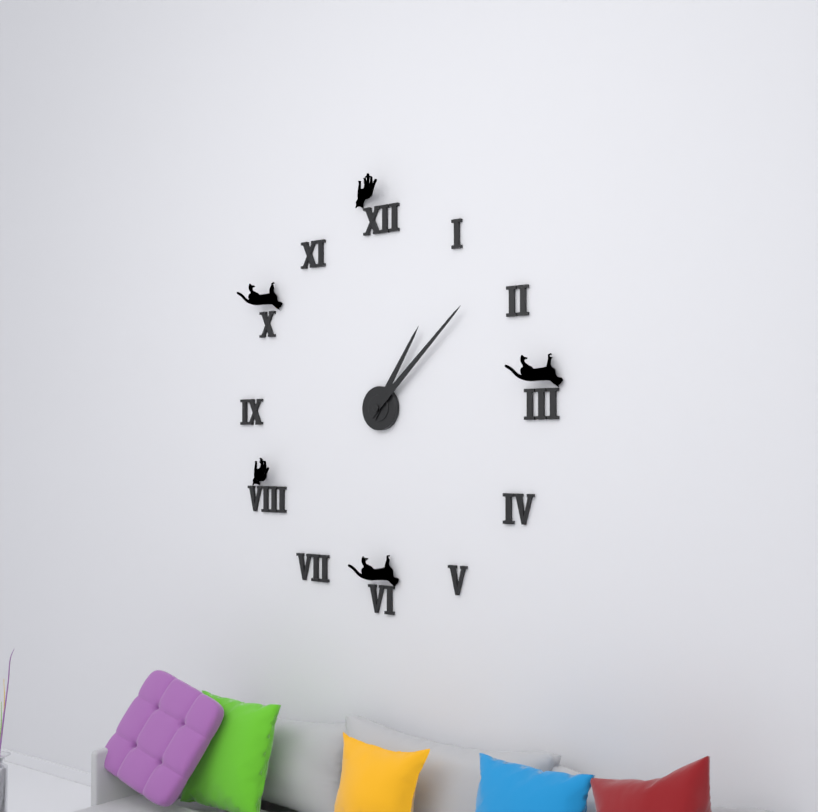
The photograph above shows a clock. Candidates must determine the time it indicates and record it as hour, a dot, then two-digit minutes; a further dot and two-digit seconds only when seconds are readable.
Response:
1.08
